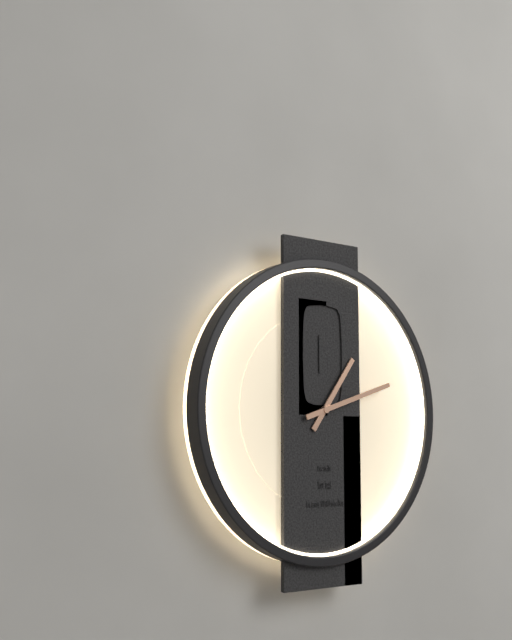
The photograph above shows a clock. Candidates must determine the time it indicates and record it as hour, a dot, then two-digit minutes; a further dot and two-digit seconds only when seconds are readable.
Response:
1.12
